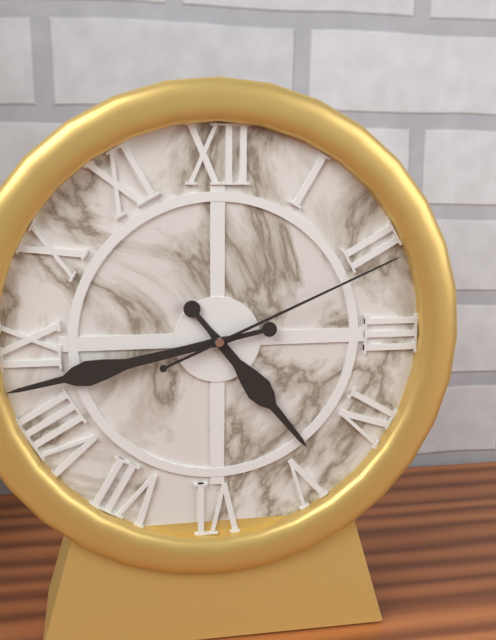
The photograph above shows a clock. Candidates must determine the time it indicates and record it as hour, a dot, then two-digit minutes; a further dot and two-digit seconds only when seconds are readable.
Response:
4.43.11
